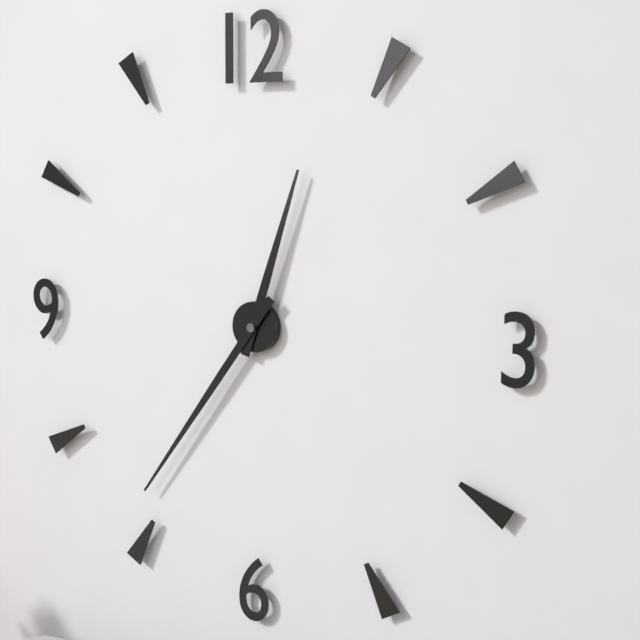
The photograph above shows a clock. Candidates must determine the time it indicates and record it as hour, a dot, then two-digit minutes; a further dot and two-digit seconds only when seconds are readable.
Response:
12.36
